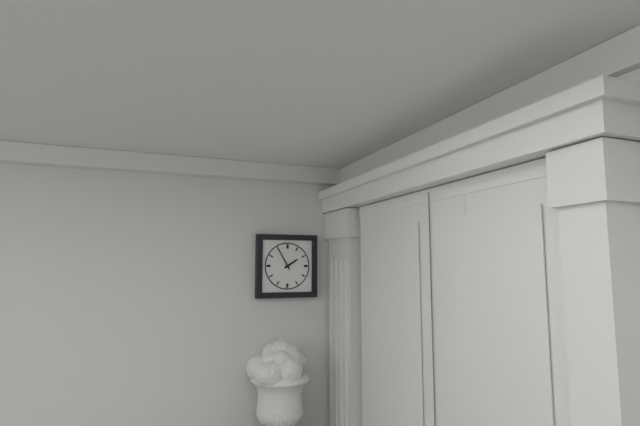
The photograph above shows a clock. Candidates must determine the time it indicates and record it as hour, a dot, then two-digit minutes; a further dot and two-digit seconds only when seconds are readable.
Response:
1.55
